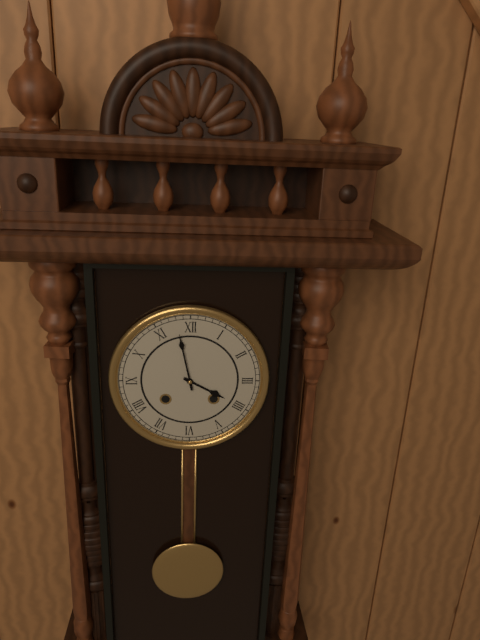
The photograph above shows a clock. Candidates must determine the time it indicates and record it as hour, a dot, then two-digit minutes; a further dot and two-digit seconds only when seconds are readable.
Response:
3.58
